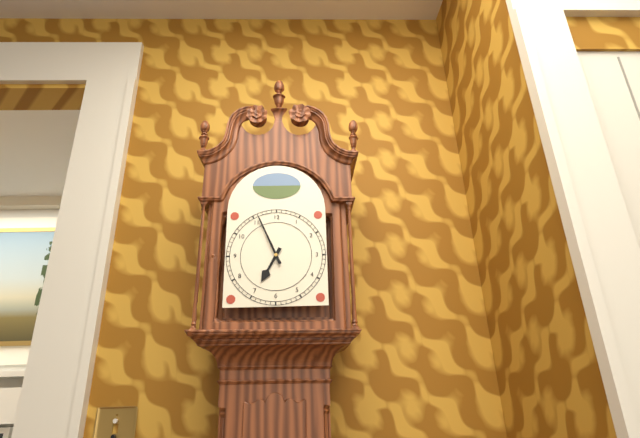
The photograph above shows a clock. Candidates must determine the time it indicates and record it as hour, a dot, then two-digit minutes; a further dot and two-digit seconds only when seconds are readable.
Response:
6.56
